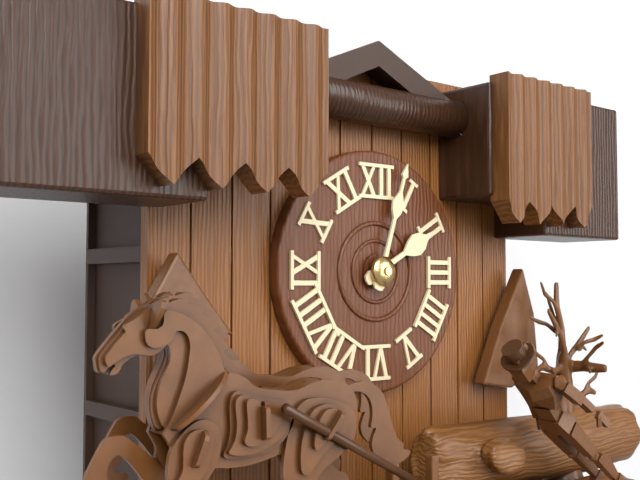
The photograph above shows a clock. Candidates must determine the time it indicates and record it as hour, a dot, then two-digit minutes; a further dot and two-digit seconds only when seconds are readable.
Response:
2.03
